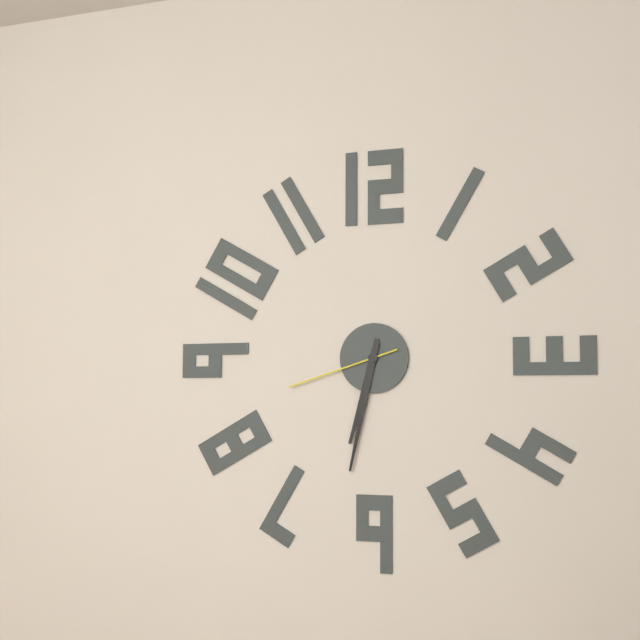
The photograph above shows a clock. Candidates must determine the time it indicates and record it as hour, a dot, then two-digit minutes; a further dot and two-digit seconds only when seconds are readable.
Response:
6.32.42
